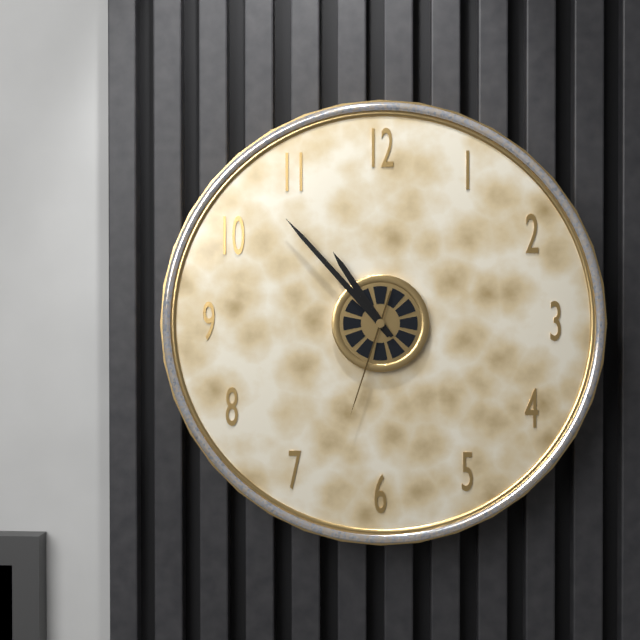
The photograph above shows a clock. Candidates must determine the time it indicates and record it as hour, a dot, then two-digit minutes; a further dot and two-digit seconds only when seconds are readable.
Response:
10.53.33
